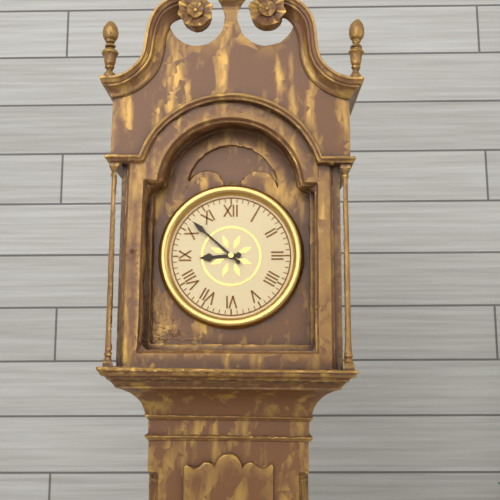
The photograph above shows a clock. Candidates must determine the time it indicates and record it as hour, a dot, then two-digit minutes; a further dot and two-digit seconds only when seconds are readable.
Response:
8.52
